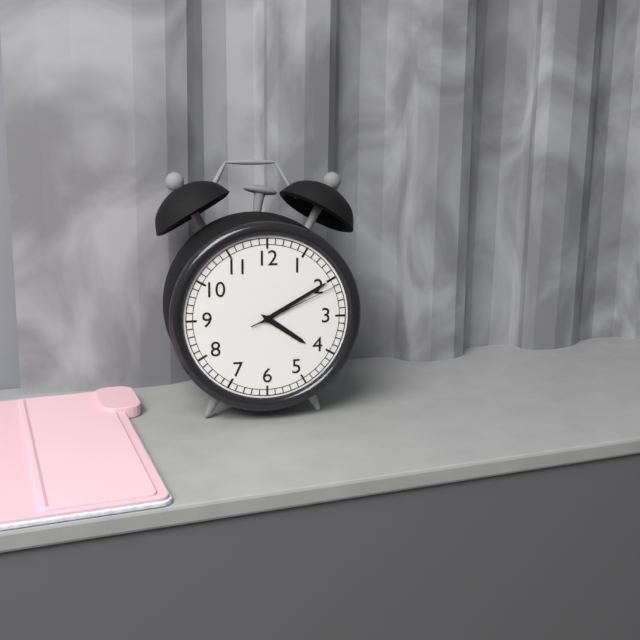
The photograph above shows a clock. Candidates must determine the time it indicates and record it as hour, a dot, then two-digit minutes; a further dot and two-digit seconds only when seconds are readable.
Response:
4.10.11
